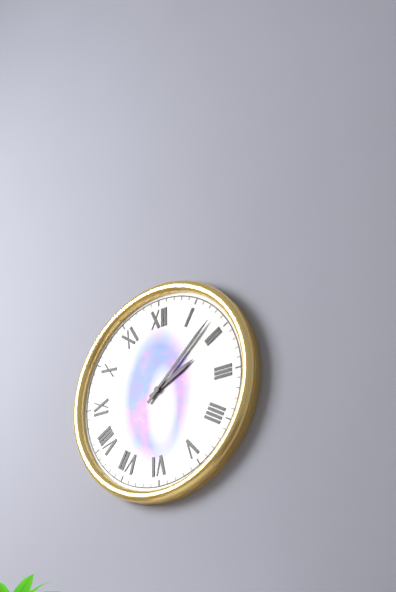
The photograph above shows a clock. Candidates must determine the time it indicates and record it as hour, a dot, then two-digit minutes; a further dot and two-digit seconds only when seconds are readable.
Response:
2.08
